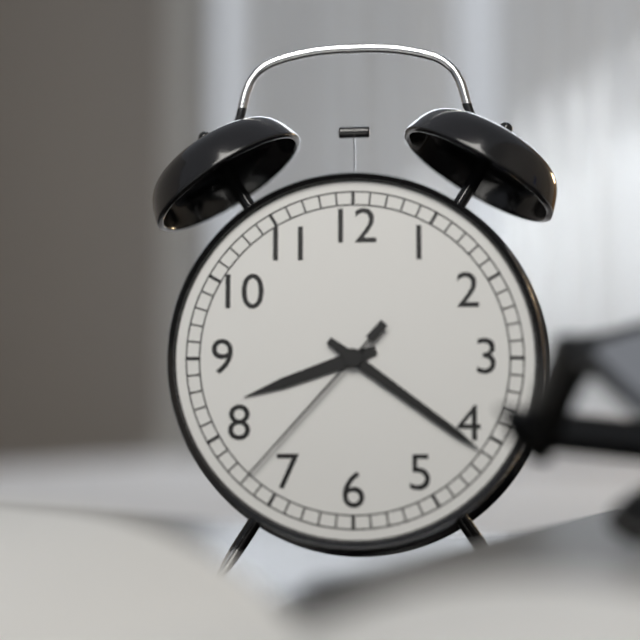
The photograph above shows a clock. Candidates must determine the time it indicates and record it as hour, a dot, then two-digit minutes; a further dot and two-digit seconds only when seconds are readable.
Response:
8.21.37
